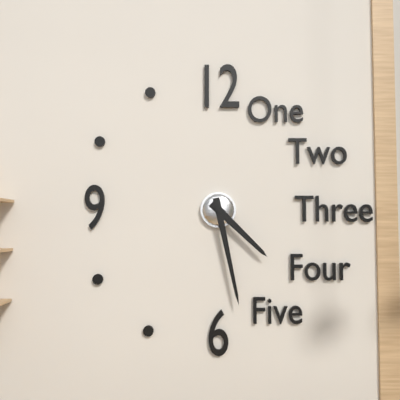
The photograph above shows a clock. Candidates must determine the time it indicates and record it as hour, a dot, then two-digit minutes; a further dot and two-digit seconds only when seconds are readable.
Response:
4.28
